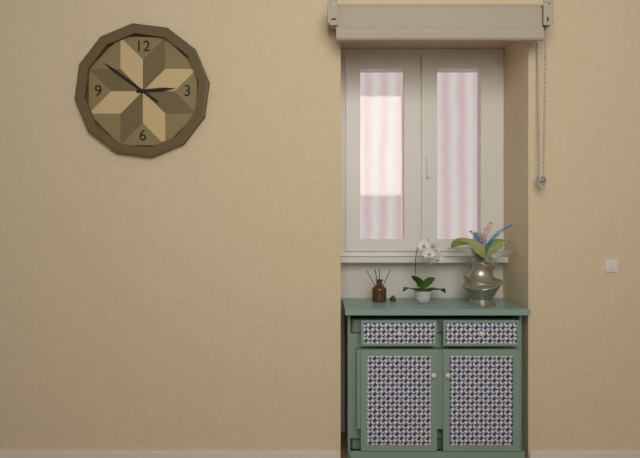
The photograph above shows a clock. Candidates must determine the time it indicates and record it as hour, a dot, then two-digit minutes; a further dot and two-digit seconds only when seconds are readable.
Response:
2.51
